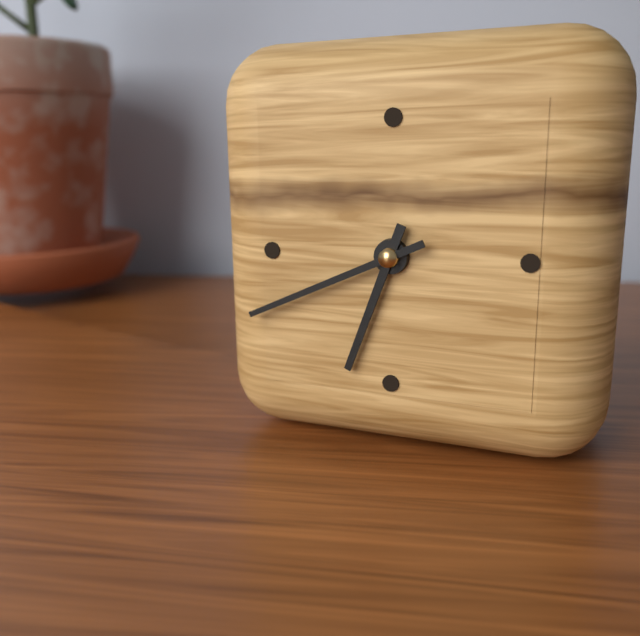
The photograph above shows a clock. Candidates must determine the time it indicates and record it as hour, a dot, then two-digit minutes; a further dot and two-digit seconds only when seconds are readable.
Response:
6.41
